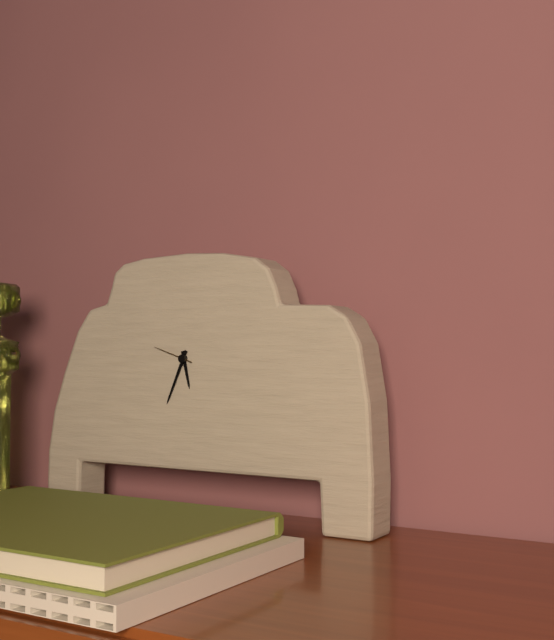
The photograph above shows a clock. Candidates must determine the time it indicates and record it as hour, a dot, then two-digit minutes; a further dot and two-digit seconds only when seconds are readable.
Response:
5.34
